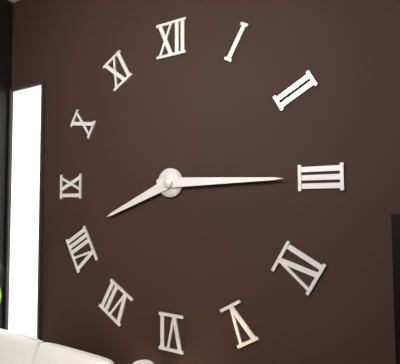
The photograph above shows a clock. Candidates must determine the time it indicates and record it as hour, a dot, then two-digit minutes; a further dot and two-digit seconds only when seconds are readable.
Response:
8.15
